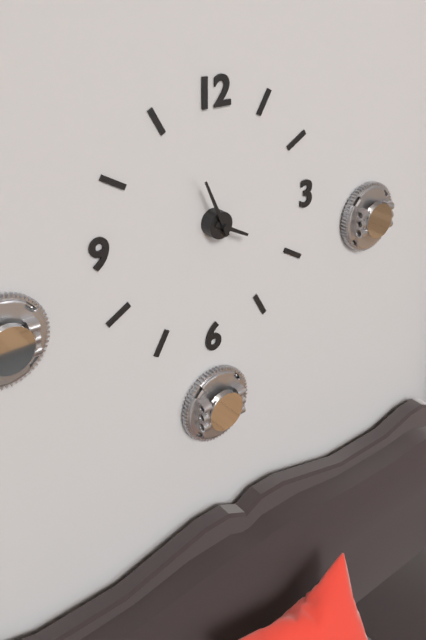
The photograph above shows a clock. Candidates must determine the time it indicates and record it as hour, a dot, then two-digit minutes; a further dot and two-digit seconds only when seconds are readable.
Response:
3.56
